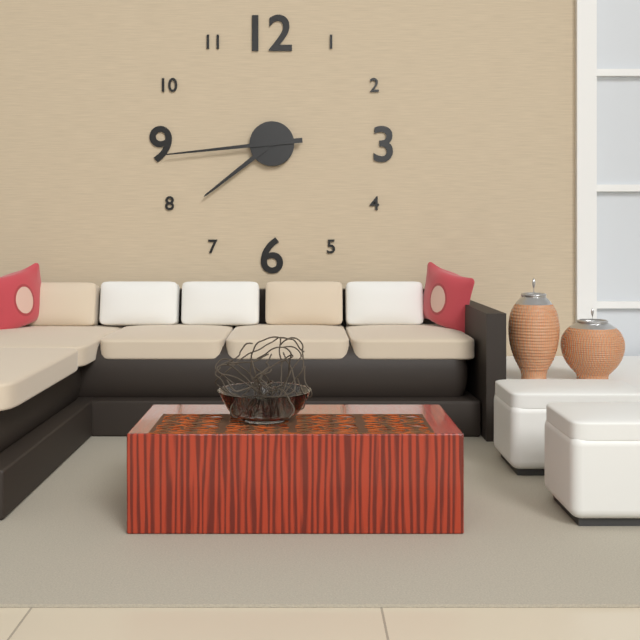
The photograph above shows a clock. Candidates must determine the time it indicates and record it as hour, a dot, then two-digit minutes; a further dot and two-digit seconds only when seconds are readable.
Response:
7.44
